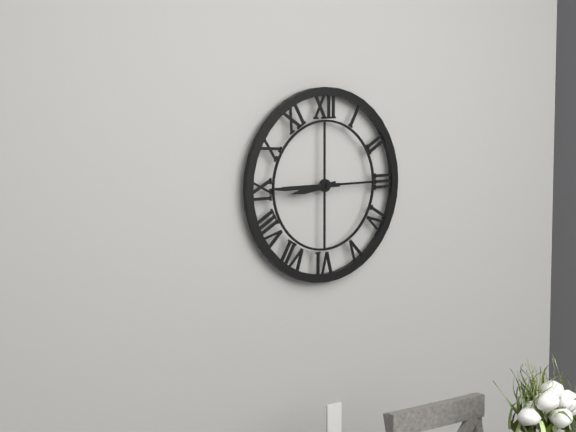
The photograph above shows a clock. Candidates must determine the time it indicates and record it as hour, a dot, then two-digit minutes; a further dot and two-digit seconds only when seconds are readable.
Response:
8.45
